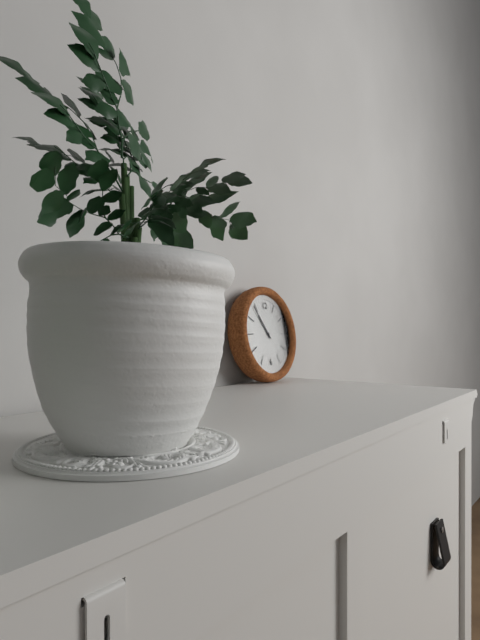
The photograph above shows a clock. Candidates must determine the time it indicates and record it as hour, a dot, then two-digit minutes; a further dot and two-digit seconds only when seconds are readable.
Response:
10.54
